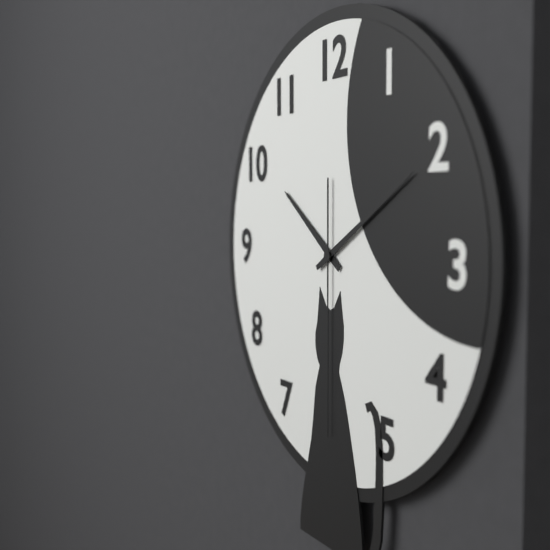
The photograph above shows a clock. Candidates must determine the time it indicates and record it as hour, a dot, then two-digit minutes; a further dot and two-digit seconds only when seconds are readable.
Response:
10.10.30
